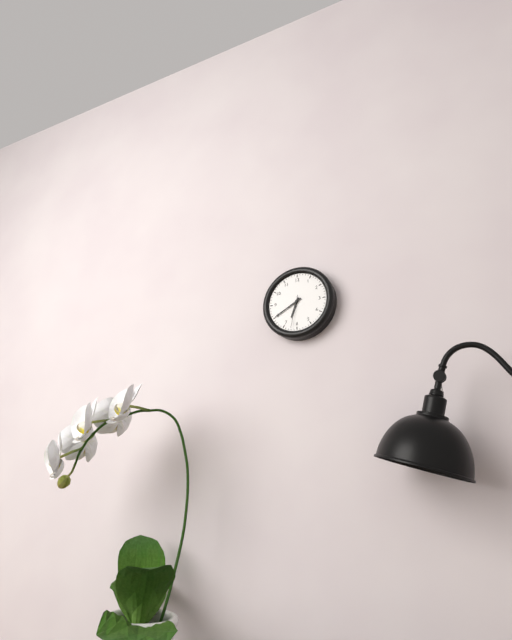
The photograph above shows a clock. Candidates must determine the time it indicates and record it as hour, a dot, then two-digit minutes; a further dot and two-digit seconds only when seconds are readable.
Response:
6.40
